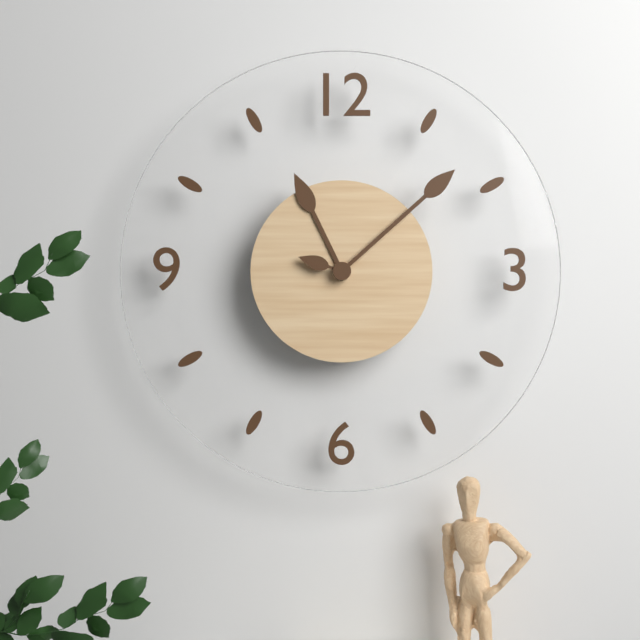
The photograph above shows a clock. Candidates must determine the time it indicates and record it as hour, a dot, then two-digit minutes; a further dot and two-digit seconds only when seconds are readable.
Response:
11.08.48
